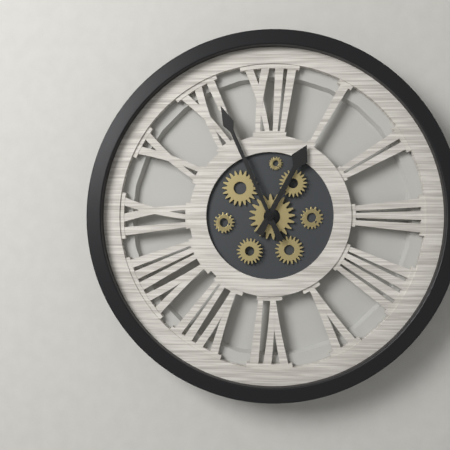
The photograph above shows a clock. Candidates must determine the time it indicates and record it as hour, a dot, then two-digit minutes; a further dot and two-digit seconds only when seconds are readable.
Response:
12.56
